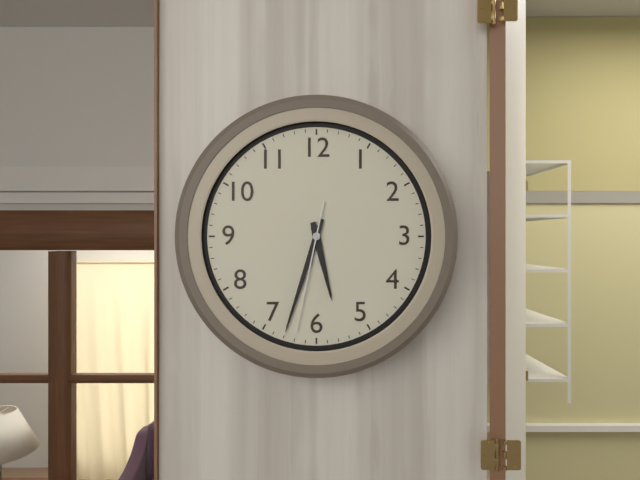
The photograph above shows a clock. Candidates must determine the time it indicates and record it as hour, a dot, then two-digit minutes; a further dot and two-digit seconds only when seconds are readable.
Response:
5.33.32
